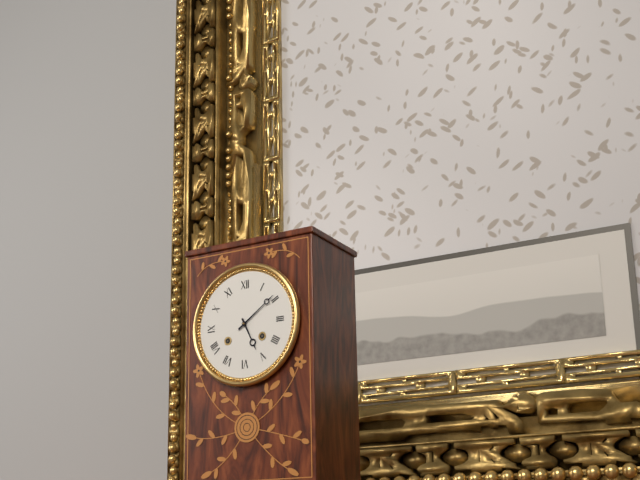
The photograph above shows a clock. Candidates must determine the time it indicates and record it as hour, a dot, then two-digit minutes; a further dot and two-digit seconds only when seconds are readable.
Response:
5.09
